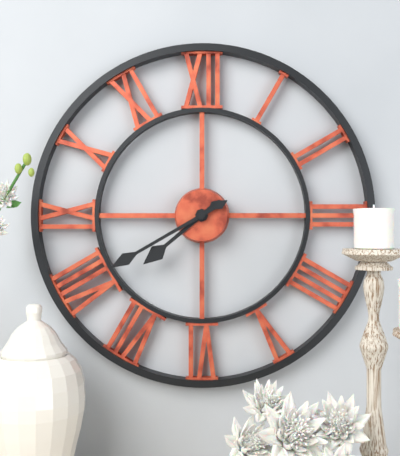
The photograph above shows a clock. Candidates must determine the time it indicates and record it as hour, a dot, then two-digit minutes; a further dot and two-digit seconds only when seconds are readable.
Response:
7.40
